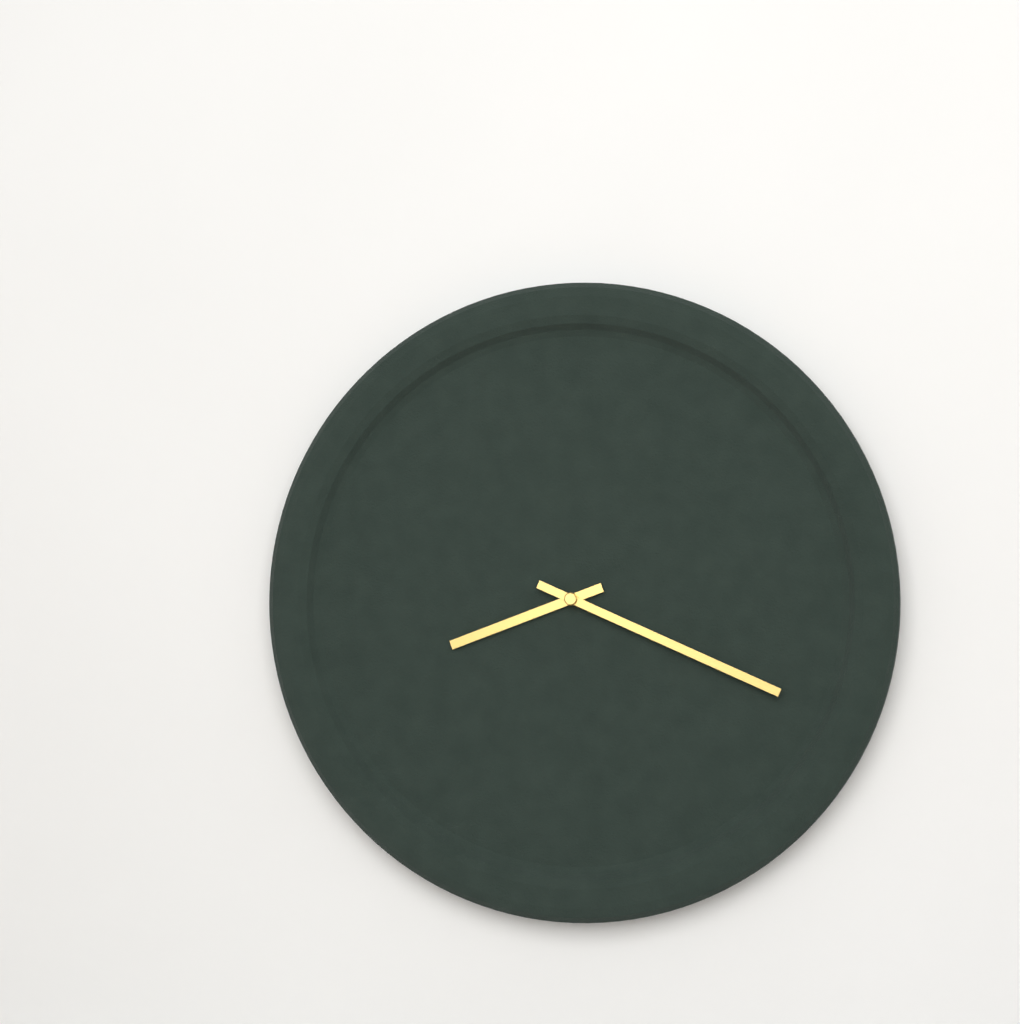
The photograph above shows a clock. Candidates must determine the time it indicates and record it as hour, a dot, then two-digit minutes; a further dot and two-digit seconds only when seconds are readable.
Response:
8.19
